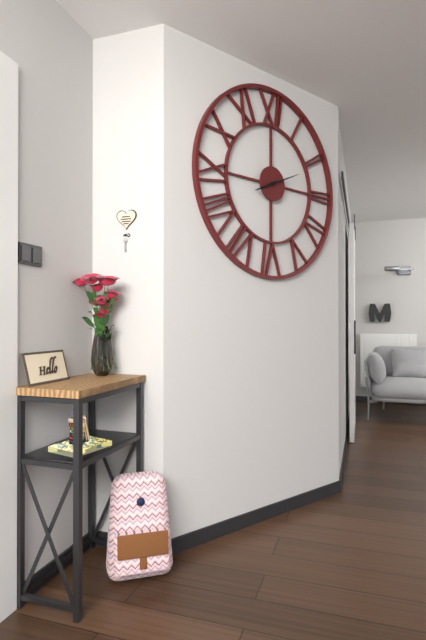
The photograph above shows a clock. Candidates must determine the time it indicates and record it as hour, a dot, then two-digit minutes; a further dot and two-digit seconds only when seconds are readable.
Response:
8.11
